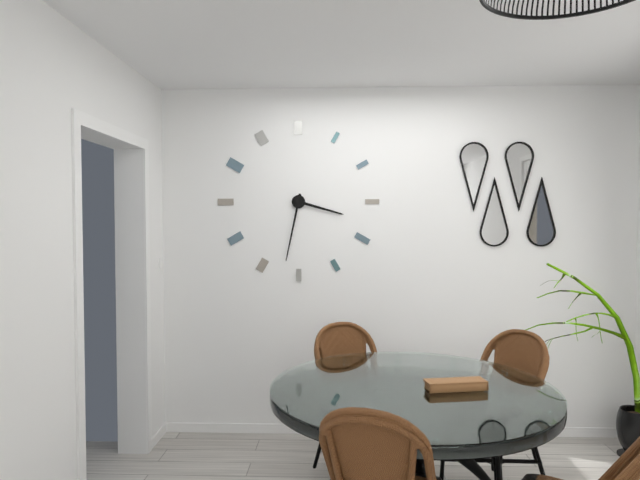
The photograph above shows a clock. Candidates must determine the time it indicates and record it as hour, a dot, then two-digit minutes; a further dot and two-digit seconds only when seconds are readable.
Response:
3.32
